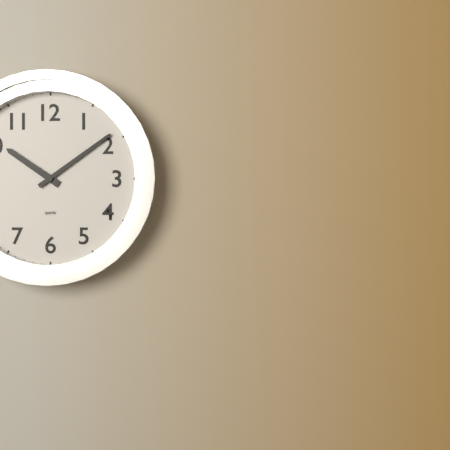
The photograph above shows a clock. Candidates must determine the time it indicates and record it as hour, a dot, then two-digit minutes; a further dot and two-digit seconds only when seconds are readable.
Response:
10.09
